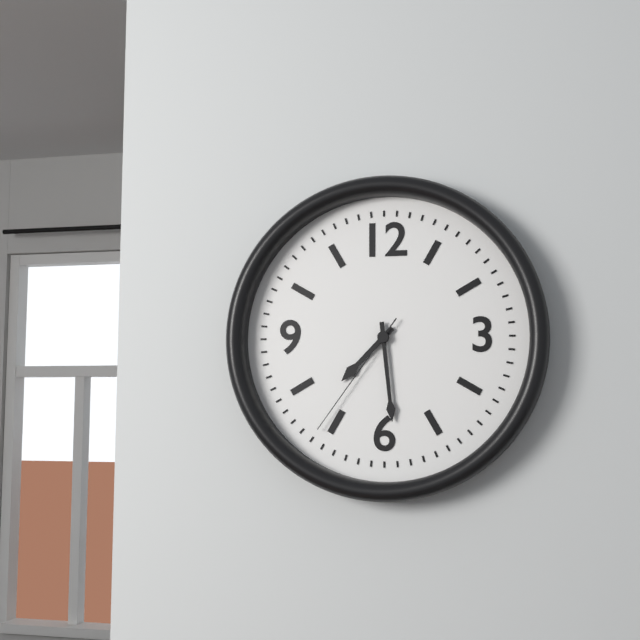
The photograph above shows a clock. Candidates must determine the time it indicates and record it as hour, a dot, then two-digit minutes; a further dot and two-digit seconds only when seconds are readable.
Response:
7.29.36
